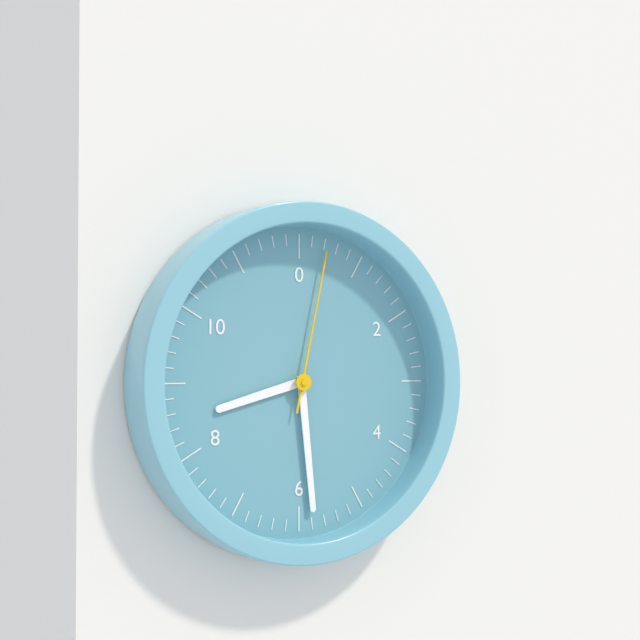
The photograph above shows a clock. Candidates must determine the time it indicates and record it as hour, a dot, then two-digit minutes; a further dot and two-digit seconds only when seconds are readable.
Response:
8.29.02
